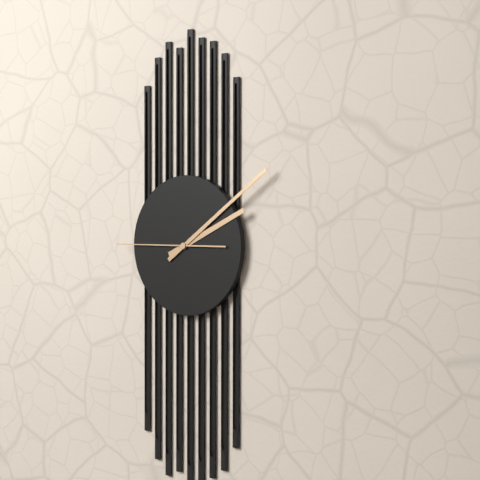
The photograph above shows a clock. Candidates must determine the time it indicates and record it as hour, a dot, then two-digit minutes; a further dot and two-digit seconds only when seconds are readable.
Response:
2.09.45
